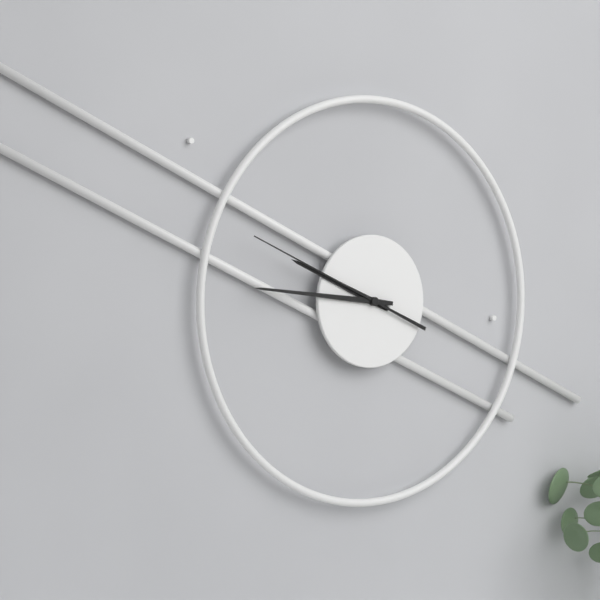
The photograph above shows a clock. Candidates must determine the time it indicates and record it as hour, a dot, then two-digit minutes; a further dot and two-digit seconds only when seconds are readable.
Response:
9.46.49
